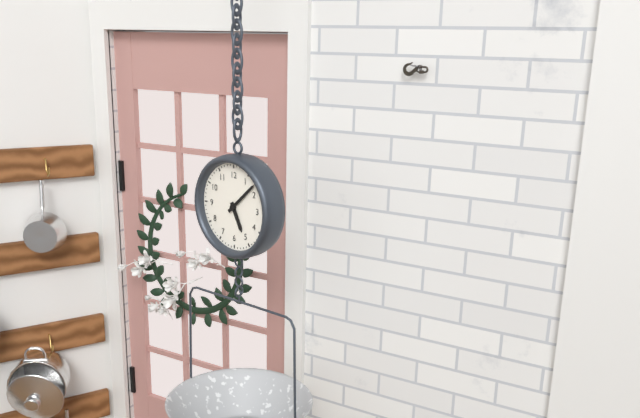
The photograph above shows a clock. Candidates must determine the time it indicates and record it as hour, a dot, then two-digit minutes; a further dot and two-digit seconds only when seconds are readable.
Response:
5.08
